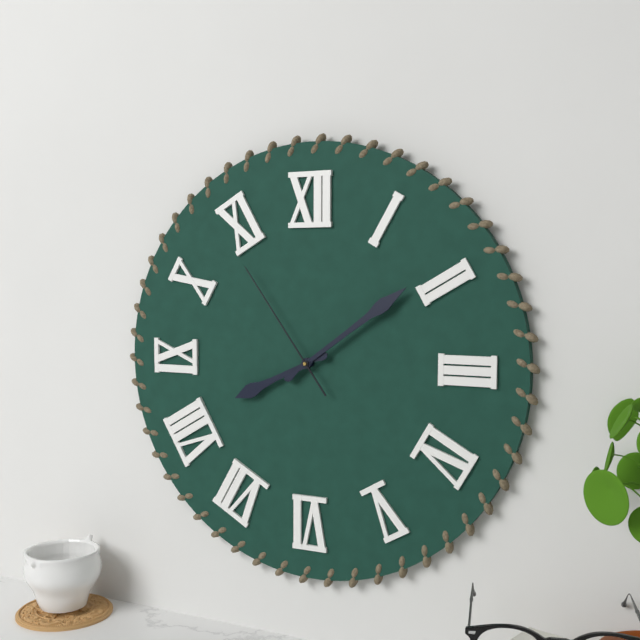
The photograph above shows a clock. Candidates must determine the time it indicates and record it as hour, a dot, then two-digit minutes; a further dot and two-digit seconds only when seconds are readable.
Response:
8.09.54
